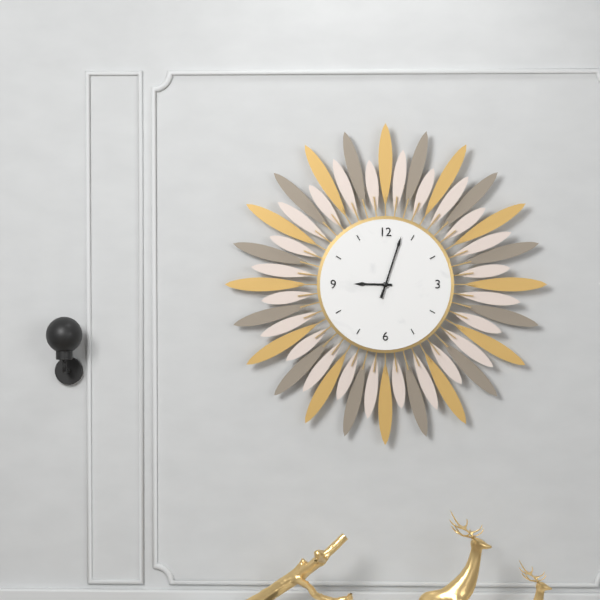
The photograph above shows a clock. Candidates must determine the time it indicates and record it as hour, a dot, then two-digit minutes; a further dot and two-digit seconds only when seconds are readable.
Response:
9.03
